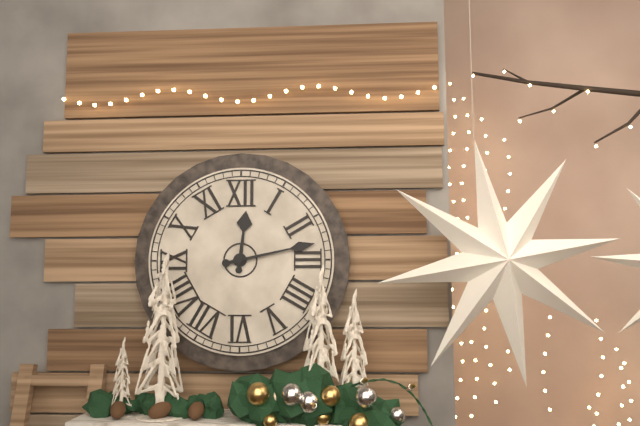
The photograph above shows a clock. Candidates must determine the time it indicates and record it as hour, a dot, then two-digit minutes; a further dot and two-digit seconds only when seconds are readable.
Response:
12.13
